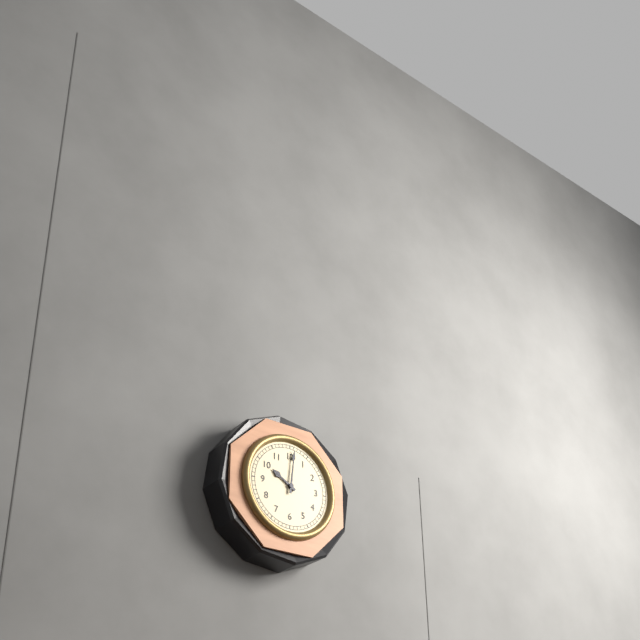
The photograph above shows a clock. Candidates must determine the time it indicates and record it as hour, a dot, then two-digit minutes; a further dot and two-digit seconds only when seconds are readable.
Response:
10.01
